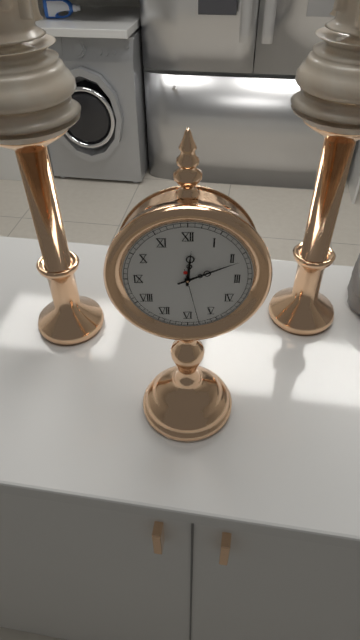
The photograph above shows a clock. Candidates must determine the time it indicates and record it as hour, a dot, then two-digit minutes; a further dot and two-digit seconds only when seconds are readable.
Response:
12.11.28
